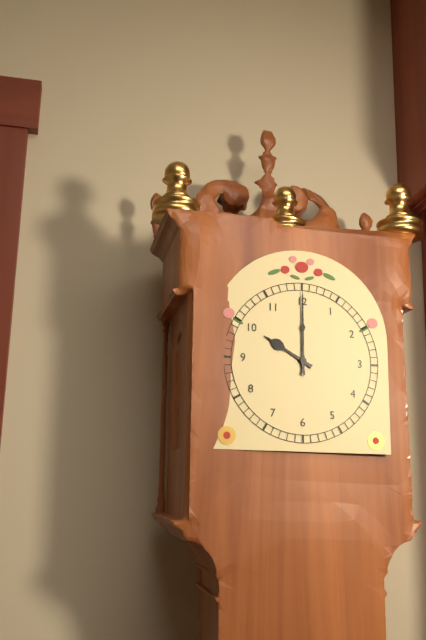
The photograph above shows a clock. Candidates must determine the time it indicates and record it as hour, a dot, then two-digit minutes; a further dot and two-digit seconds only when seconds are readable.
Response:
10.00
